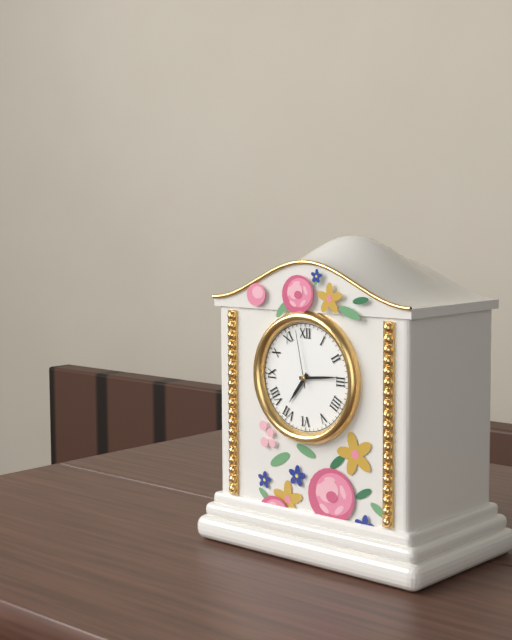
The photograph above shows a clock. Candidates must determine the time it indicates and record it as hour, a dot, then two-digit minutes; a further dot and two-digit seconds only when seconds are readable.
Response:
7.14.58
